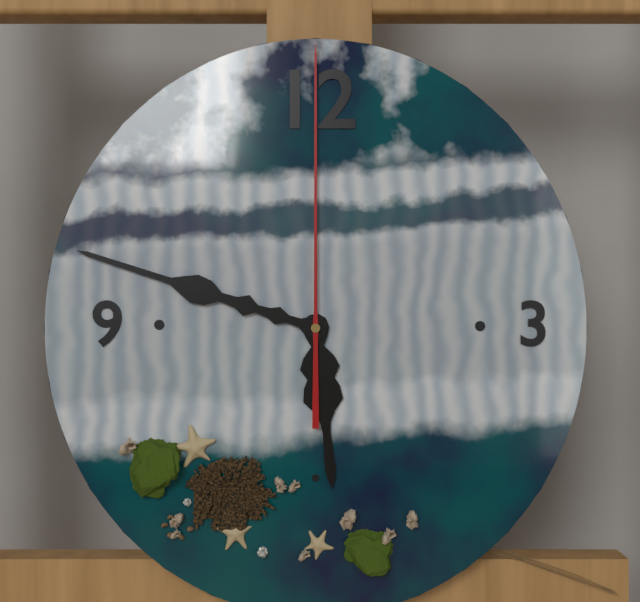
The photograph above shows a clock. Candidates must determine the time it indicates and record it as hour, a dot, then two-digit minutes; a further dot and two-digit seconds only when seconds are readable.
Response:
5.48.00
